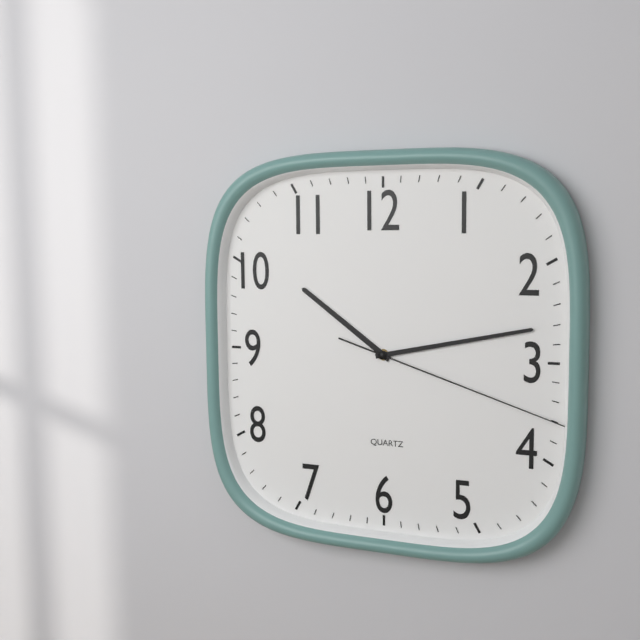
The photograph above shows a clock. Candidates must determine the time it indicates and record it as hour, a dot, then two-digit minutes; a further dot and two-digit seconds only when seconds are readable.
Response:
10.13.18
